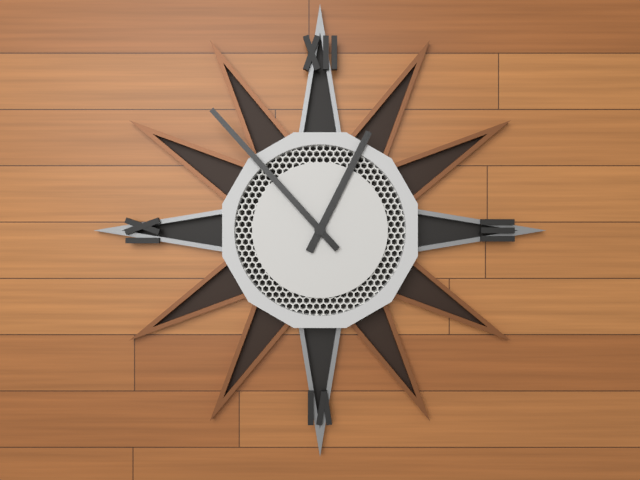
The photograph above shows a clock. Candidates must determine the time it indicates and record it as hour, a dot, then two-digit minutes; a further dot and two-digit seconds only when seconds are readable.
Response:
12.53
